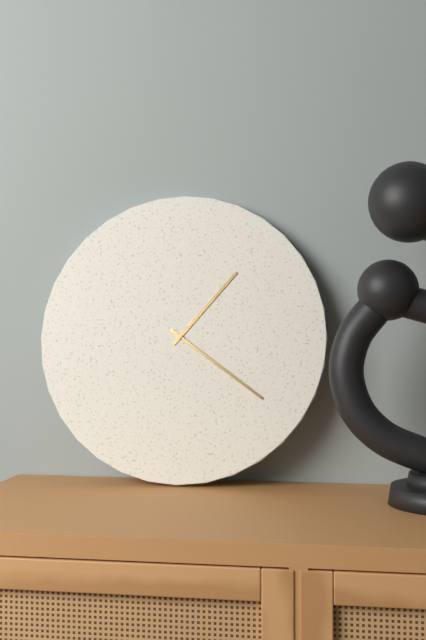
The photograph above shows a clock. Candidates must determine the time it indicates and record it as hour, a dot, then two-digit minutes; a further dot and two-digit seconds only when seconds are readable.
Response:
1.21
